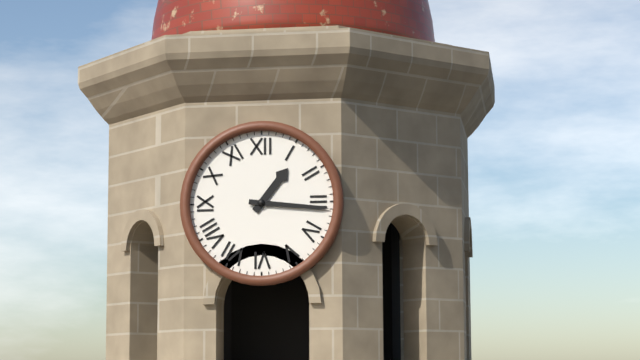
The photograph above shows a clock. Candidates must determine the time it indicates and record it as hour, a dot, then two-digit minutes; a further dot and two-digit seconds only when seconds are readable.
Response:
1.16
